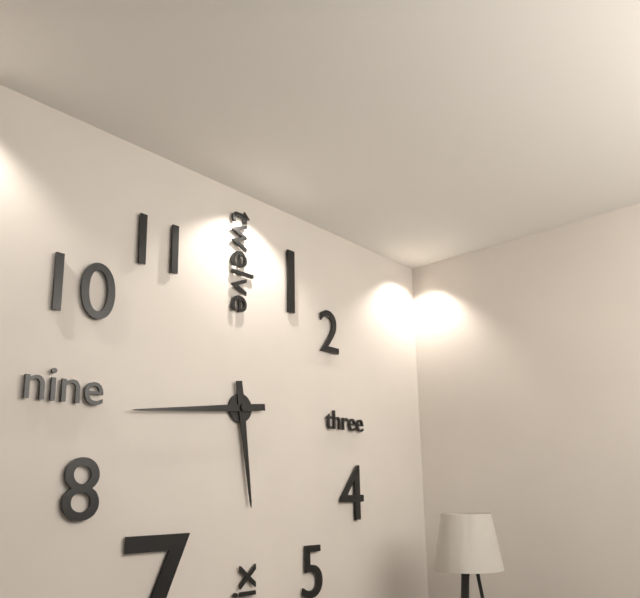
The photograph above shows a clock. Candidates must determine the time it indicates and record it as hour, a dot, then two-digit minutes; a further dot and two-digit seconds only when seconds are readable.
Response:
5.44
